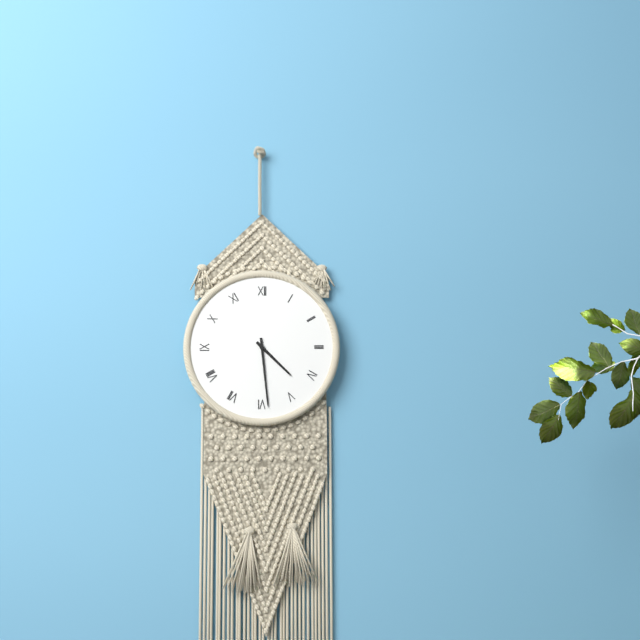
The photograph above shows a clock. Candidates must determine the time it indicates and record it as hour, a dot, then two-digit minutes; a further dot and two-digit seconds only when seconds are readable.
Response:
4.29
